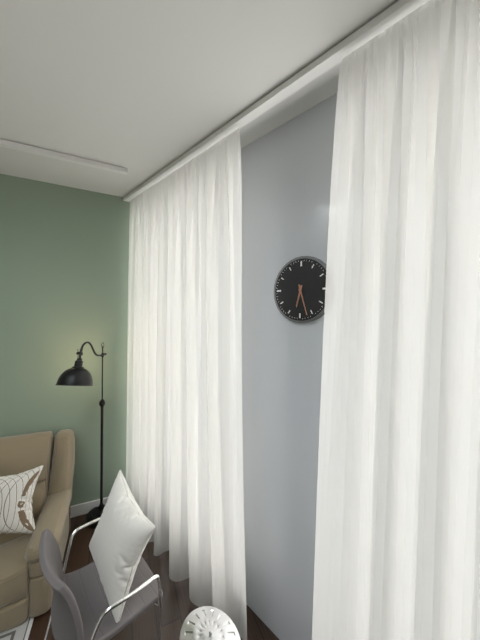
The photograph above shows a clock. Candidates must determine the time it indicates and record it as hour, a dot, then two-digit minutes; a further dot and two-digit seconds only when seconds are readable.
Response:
6.27
